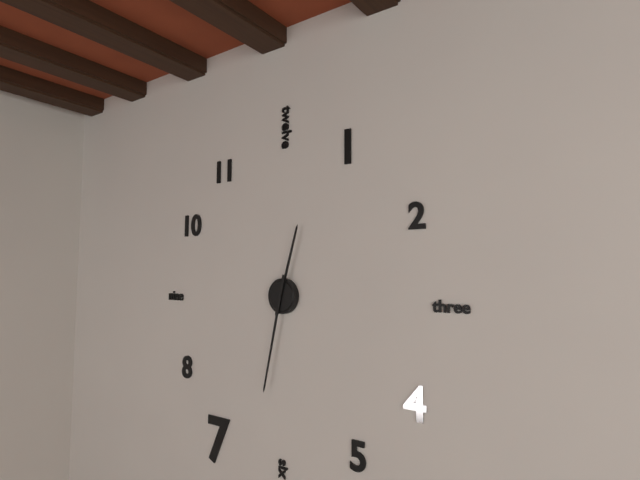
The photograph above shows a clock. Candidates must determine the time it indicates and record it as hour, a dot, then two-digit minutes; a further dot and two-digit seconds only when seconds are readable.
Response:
12.32
